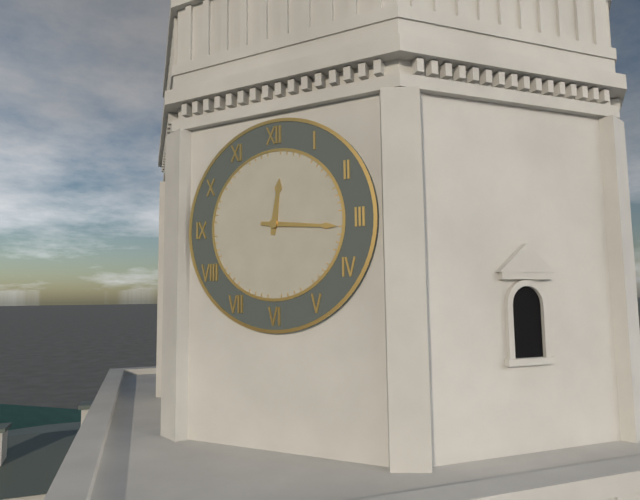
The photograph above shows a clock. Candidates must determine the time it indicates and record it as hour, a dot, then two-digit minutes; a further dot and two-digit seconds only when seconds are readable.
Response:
12.16
